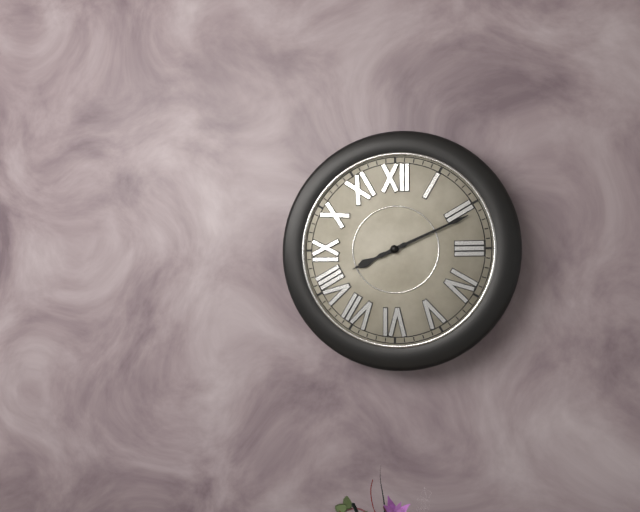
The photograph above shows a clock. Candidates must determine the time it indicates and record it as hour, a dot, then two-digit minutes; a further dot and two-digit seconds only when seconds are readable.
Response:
8.11
